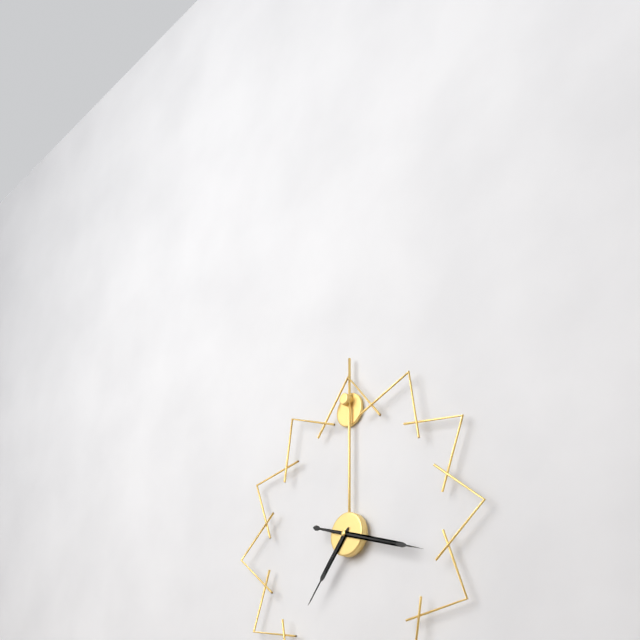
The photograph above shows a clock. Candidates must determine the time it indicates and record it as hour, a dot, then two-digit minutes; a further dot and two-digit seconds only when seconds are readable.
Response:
7.18
